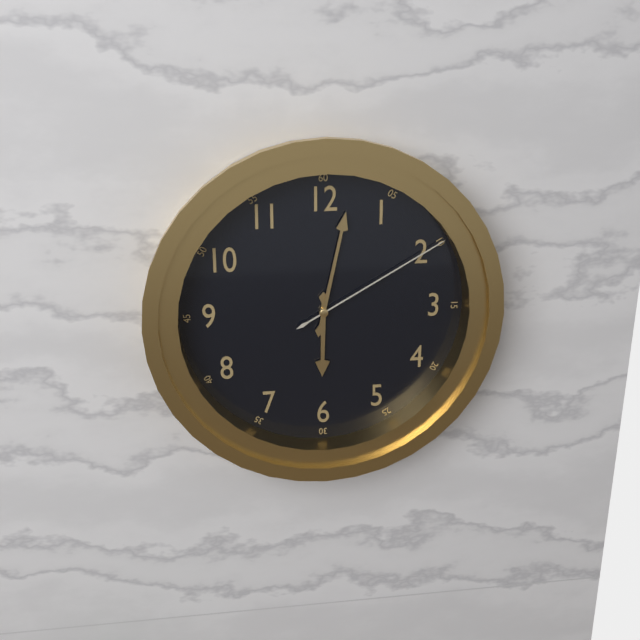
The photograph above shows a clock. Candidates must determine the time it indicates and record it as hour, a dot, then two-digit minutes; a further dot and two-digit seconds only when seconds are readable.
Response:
6.02.10
